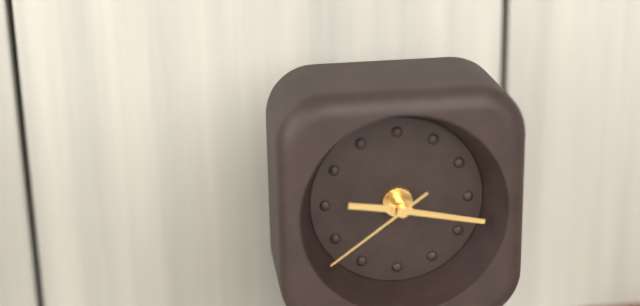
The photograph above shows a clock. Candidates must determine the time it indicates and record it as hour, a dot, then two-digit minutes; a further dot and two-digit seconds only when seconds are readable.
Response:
9.17.39
